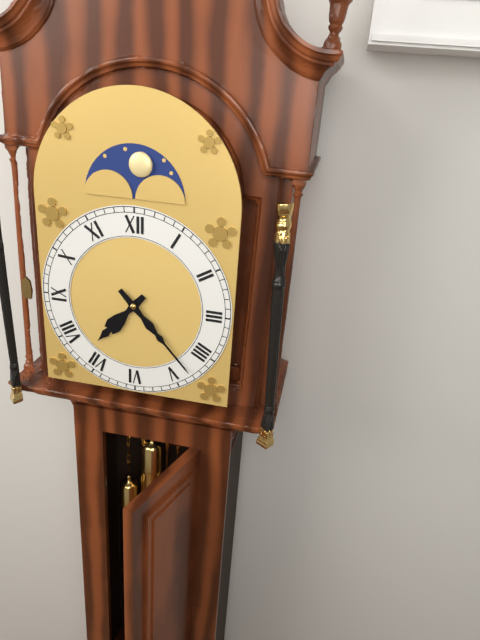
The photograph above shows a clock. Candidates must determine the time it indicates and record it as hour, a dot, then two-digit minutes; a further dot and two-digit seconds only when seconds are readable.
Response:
7.23
